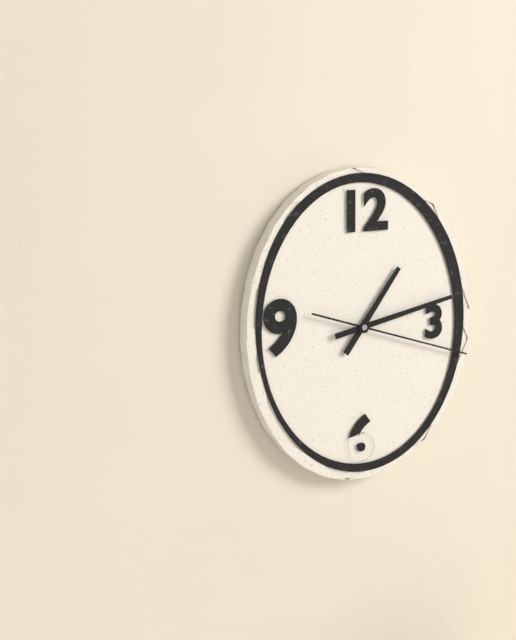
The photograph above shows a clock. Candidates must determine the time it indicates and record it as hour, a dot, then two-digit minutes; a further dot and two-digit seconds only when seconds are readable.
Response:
1.13.18
